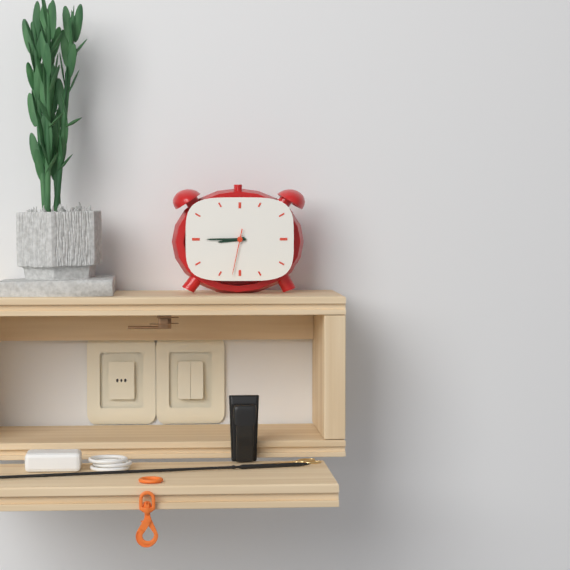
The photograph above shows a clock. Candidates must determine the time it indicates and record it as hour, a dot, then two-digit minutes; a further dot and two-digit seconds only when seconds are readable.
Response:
8.45
